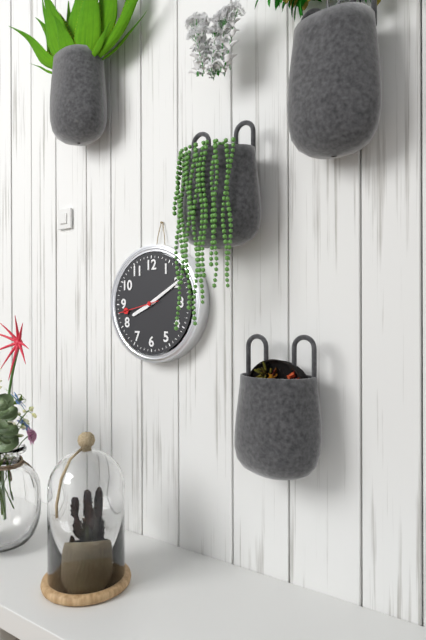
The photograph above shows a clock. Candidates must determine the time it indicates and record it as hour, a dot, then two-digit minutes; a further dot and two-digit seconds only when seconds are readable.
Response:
8.10.43
